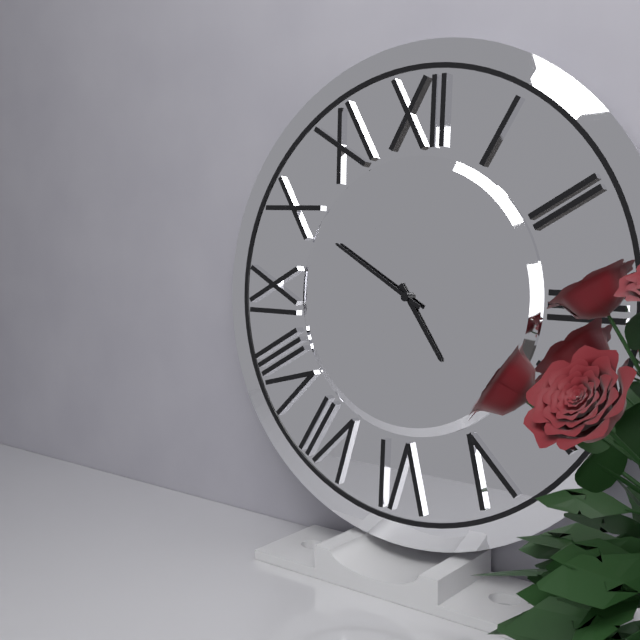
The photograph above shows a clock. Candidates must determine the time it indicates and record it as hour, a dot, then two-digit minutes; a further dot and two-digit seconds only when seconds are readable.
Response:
4.50
